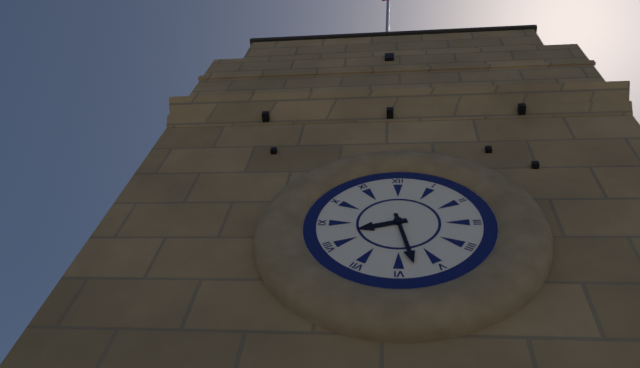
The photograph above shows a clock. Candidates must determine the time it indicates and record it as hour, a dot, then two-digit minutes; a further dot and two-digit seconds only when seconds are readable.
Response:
8.28
